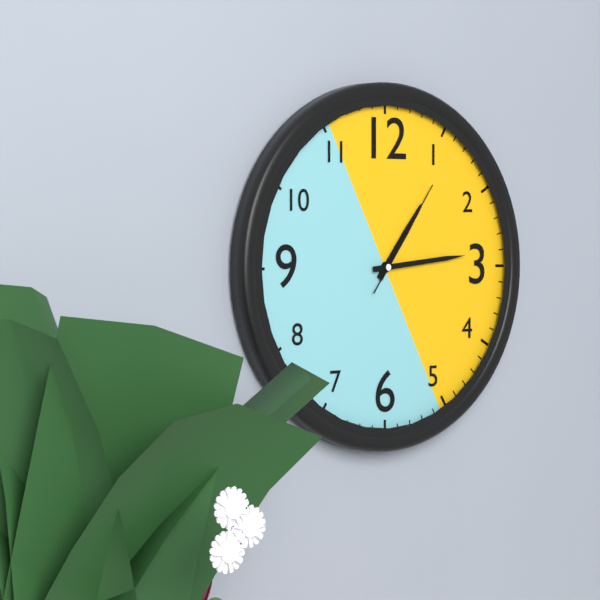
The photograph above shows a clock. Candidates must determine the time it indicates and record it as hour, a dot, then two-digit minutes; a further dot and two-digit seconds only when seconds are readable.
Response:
1.14.06
